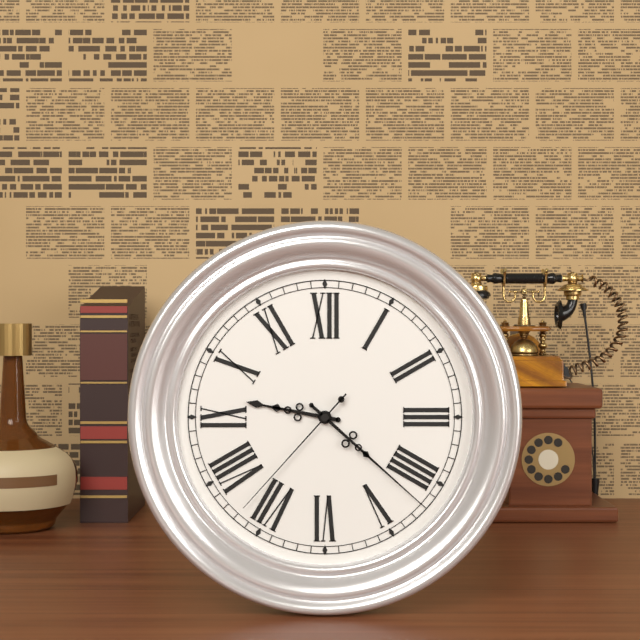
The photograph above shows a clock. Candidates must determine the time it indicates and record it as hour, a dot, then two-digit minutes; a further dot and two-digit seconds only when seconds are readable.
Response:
9.22.37
